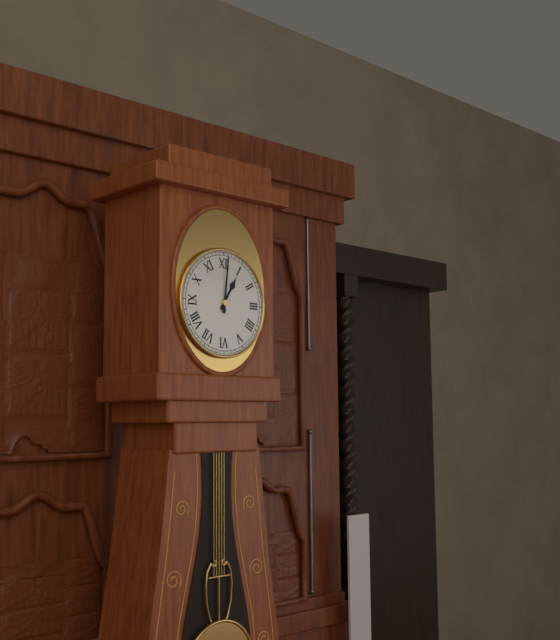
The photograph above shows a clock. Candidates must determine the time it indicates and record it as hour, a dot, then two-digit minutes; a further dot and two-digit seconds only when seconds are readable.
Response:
1.01
